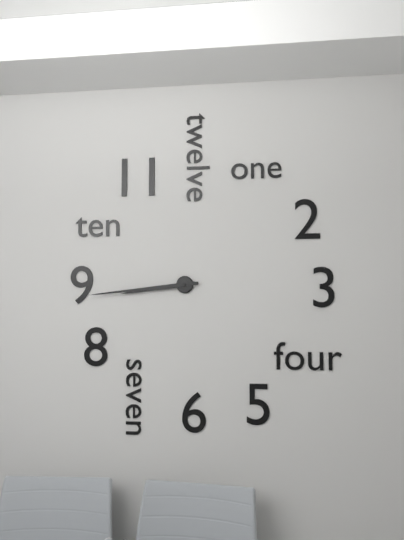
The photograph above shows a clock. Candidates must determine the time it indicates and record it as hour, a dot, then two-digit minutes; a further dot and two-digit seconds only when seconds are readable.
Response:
8.44
